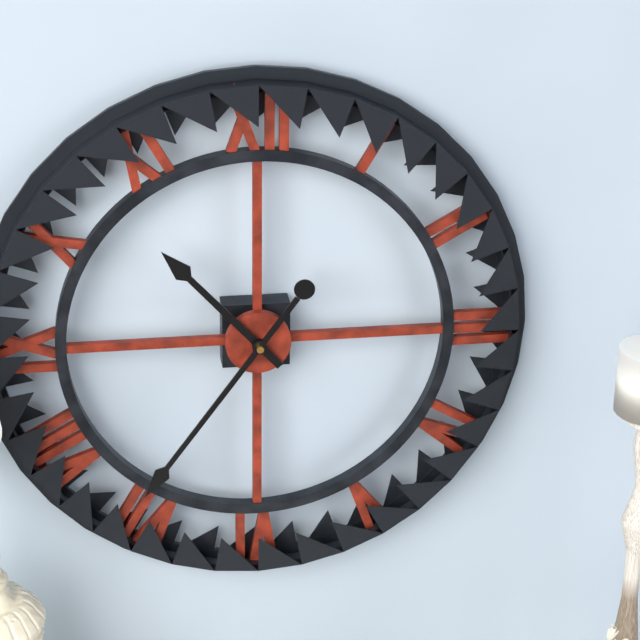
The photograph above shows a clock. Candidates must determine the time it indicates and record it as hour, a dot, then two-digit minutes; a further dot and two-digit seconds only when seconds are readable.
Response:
10.36
